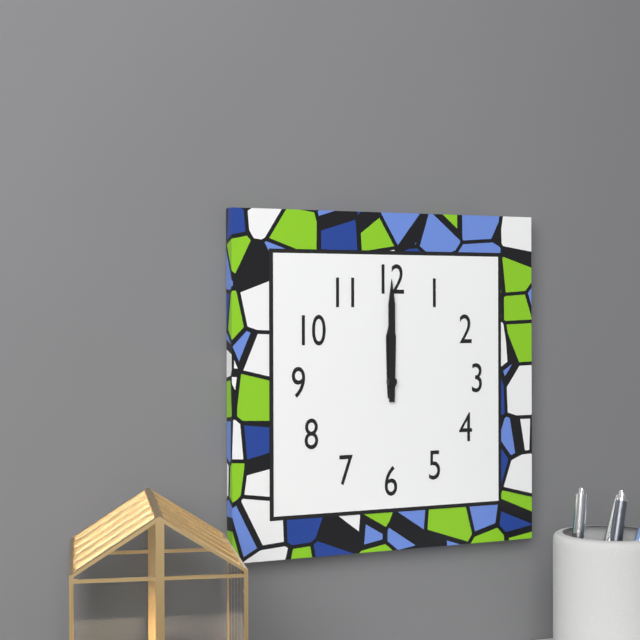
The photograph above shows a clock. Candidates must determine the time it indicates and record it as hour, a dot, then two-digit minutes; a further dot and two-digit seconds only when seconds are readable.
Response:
12.00
